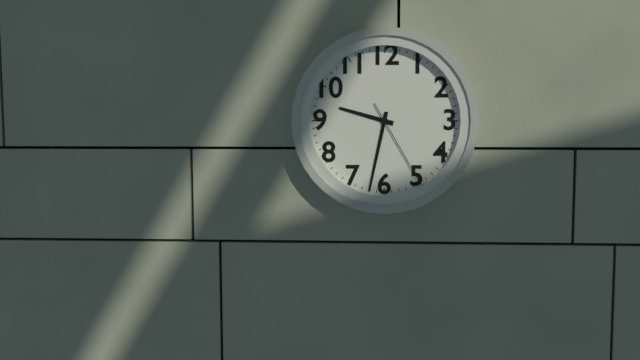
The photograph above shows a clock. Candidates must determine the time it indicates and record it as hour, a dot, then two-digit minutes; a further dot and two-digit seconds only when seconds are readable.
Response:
9.32.25
